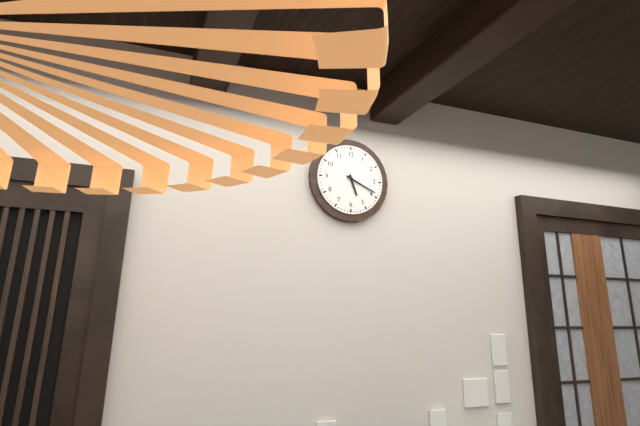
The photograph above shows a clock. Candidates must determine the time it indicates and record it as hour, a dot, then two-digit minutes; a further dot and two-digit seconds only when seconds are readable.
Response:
5.19
